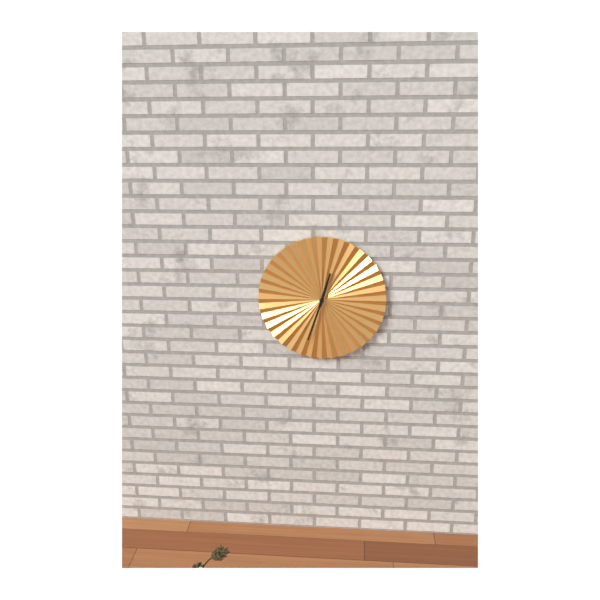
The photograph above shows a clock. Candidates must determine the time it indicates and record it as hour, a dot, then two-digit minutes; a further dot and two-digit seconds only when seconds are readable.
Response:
12.33
